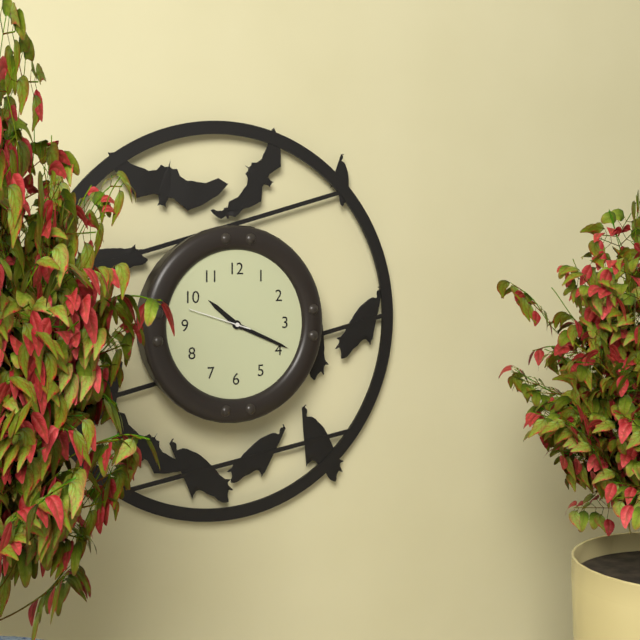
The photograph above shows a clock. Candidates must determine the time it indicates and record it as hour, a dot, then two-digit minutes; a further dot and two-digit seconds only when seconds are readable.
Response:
10.19.48
